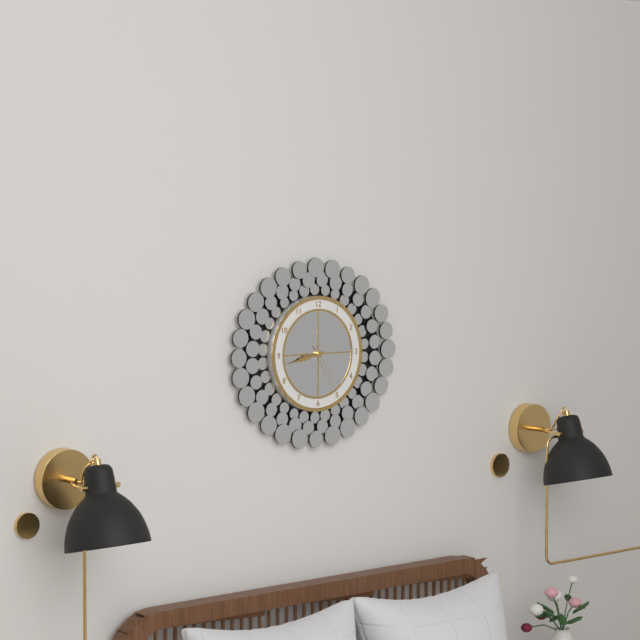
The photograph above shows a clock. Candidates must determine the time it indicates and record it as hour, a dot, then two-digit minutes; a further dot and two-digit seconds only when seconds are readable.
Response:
8.43
